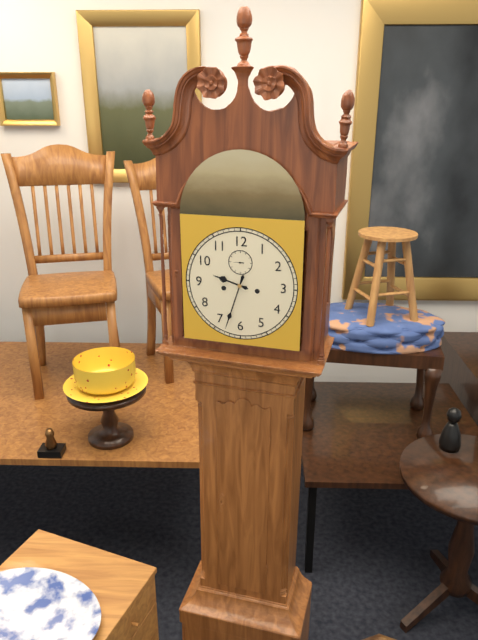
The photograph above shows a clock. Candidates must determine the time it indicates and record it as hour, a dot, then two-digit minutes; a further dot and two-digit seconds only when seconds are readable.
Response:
9.33
